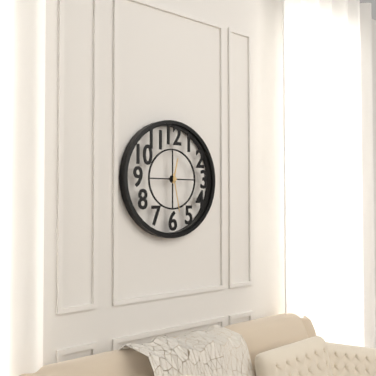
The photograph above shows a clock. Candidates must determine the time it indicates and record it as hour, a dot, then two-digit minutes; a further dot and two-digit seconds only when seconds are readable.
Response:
12.28
